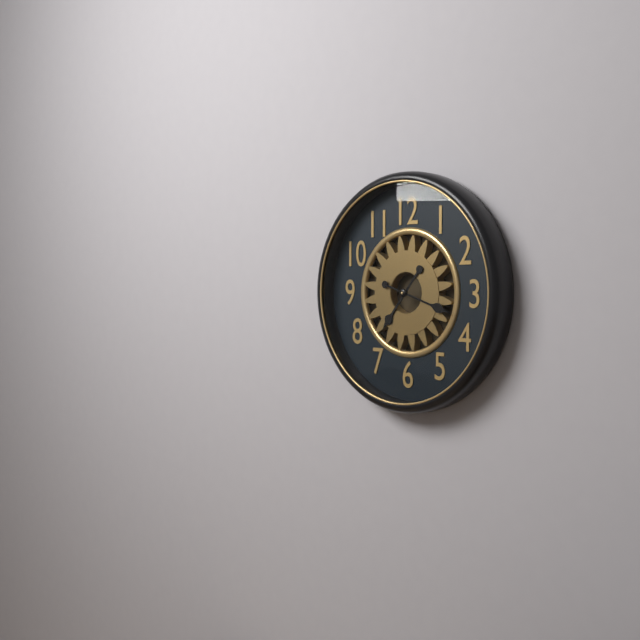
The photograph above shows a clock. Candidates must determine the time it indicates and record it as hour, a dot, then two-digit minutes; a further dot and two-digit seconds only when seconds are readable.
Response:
7.18
